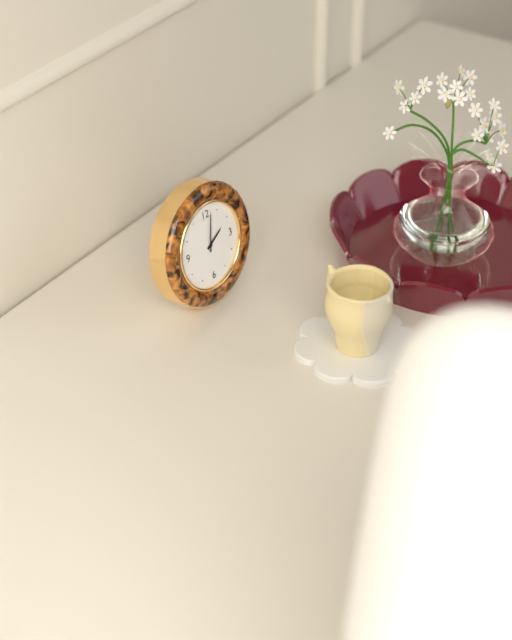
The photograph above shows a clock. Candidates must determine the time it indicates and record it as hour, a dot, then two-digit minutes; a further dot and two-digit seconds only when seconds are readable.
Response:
2.02
